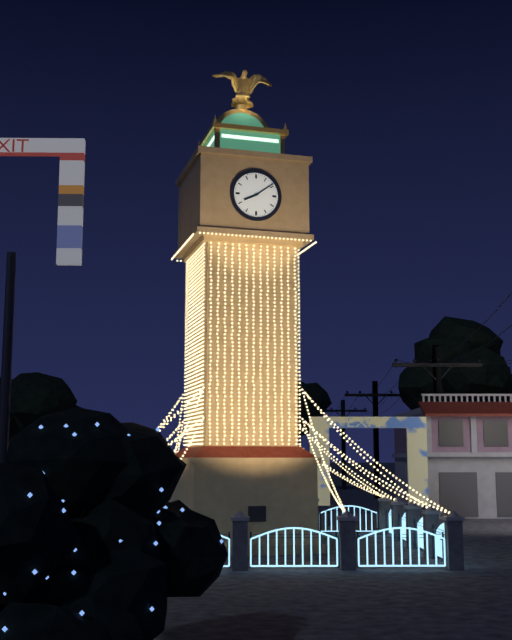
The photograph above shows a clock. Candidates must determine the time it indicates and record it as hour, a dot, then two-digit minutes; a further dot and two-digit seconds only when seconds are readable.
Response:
8.09
